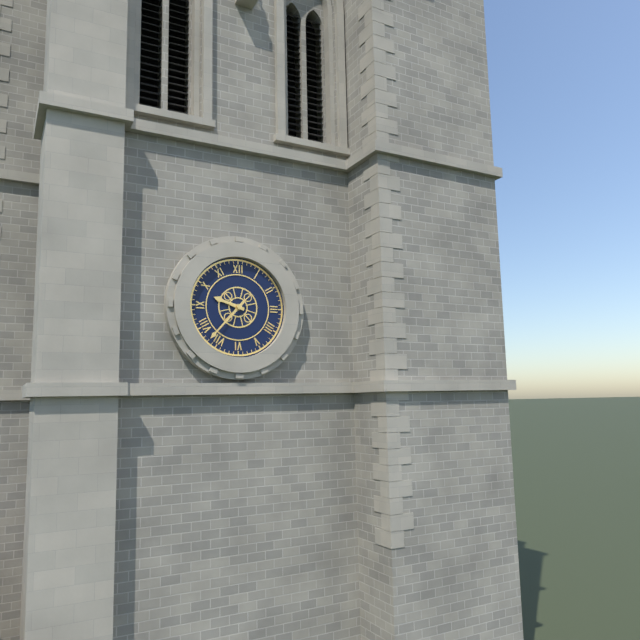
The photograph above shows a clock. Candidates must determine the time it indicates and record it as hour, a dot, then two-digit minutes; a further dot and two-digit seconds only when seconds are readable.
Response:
9.37
